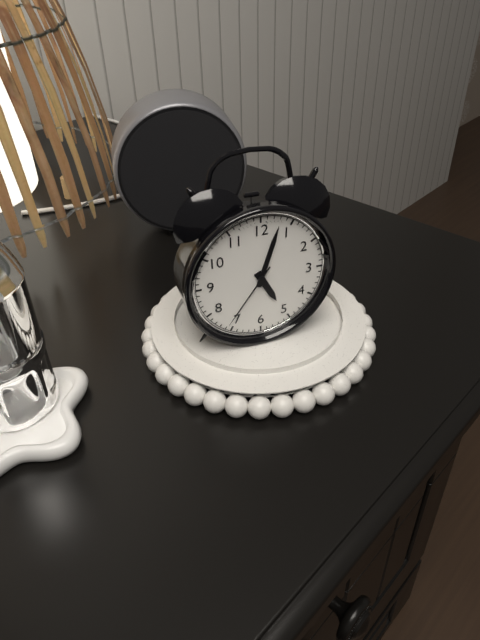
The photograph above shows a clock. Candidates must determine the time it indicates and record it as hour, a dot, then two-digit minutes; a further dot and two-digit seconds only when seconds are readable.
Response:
5.03.36
